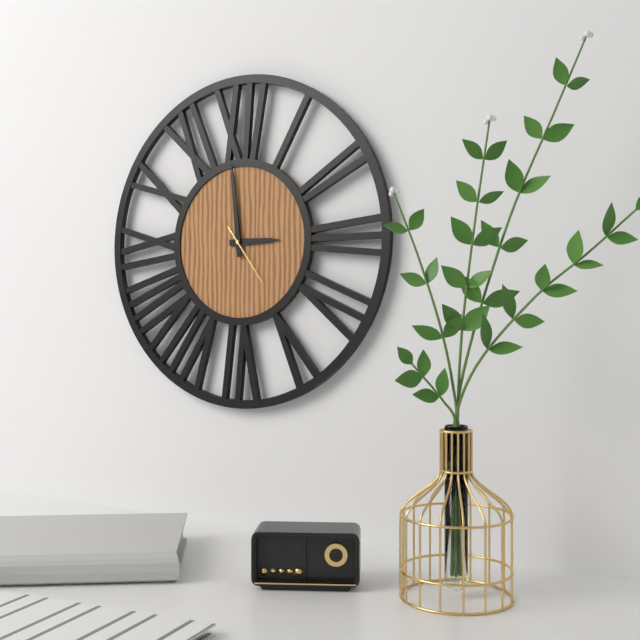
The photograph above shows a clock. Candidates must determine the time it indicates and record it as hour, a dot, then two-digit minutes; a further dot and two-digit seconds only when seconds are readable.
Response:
2.59.24
